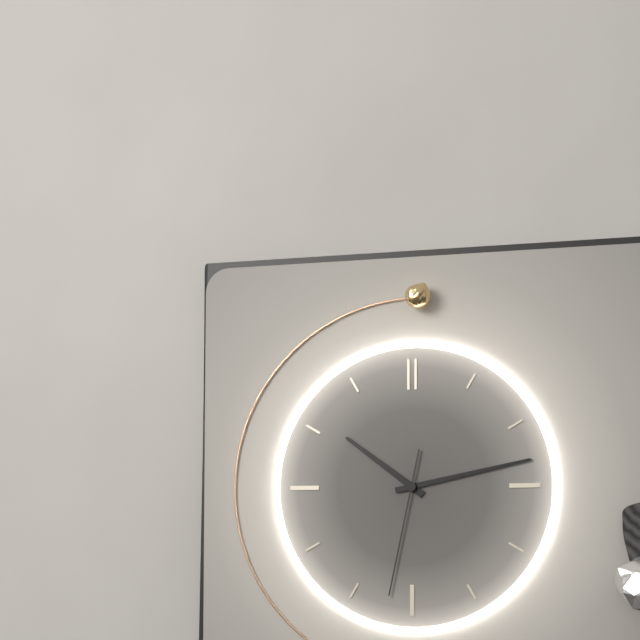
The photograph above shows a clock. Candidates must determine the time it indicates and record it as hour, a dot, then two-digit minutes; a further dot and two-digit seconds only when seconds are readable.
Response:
10.13.32
